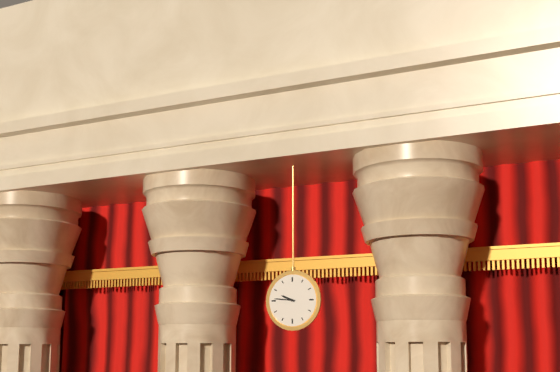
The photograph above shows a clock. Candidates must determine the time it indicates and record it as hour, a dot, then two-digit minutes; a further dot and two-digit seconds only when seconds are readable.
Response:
9.46
